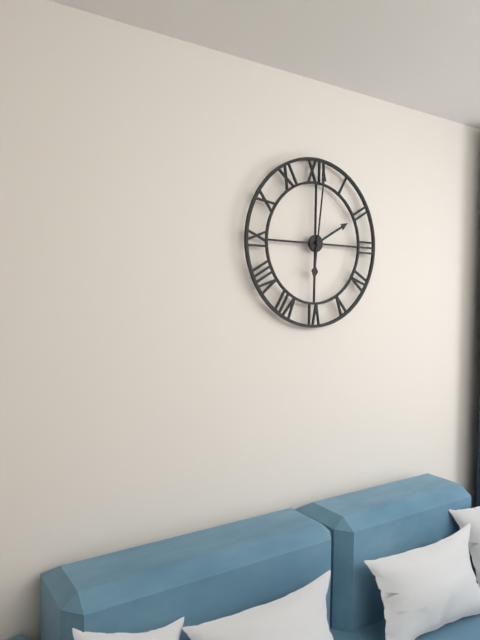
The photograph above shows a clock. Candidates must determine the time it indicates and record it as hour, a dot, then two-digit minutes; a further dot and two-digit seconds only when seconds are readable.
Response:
2.01
